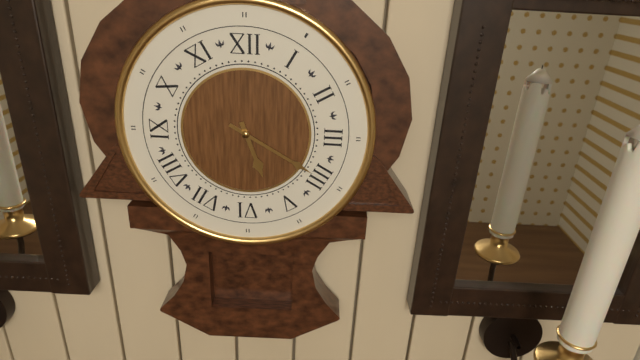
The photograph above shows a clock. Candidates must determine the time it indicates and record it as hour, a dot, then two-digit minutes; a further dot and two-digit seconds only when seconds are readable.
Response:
5.20
